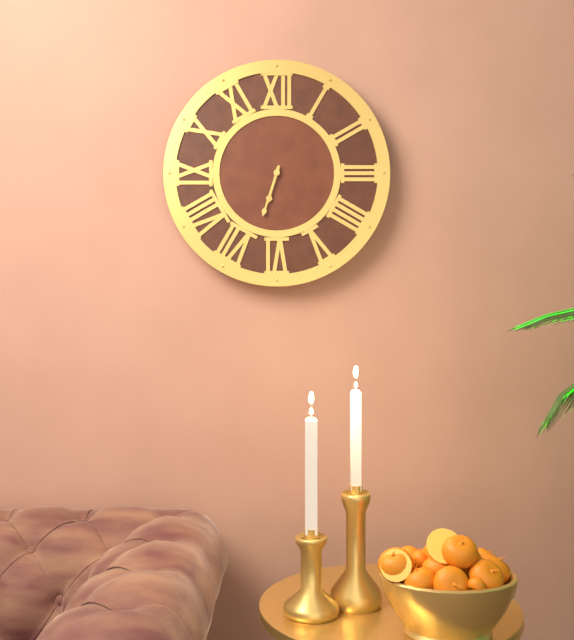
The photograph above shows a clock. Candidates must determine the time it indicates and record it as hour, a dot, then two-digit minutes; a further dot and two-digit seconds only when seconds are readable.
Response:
6.33
